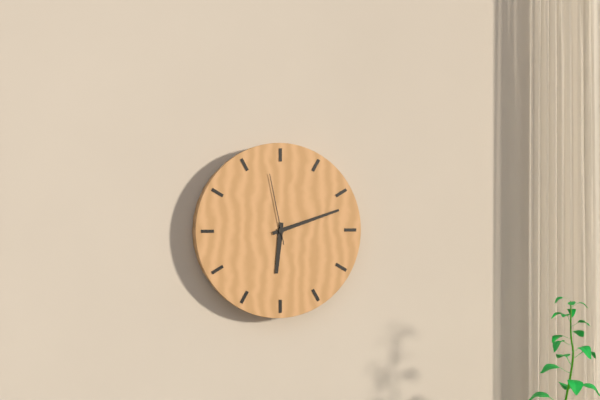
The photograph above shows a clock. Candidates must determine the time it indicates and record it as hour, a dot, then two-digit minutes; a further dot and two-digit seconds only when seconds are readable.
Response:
6.12.58
